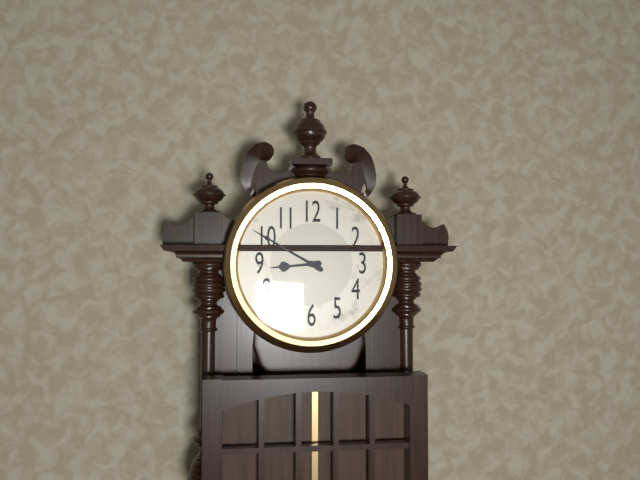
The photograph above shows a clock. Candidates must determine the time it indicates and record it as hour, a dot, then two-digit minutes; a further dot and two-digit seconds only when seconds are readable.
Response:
8.50
